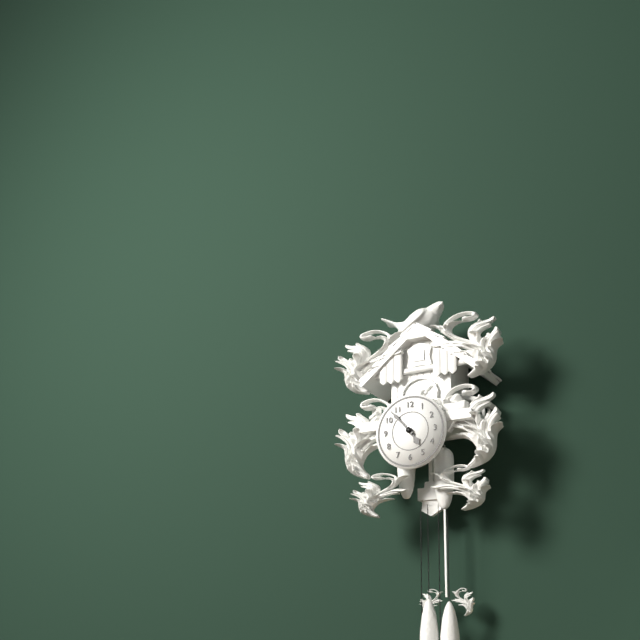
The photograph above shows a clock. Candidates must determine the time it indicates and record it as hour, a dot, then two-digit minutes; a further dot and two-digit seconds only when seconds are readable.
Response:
4.53
